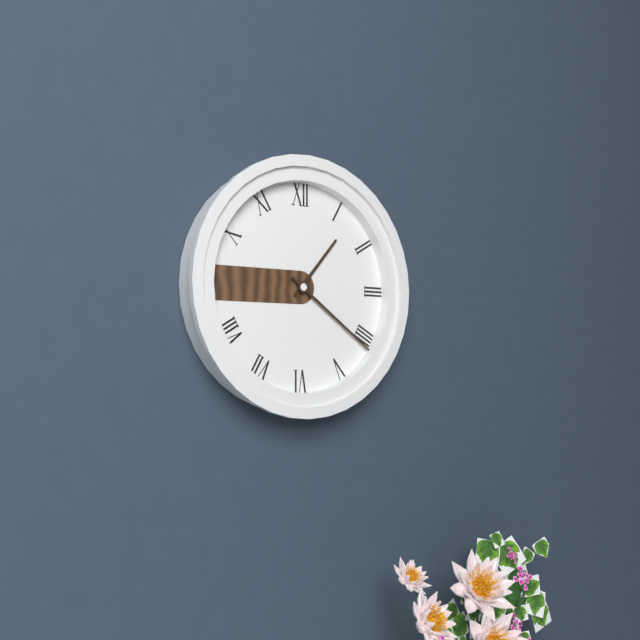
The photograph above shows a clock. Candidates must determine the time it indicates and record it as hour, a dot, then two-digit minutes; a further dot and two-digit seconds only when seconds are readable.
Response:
1.21
